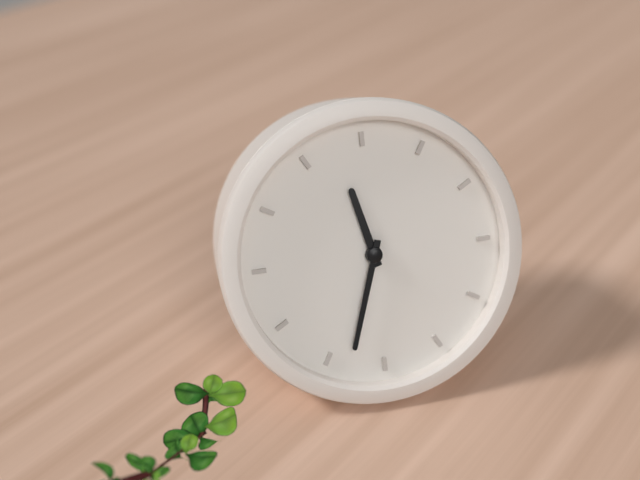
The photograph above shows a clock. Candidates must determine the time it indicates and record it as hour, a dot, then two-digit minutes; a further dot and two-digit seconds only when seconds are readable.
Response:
11.33
